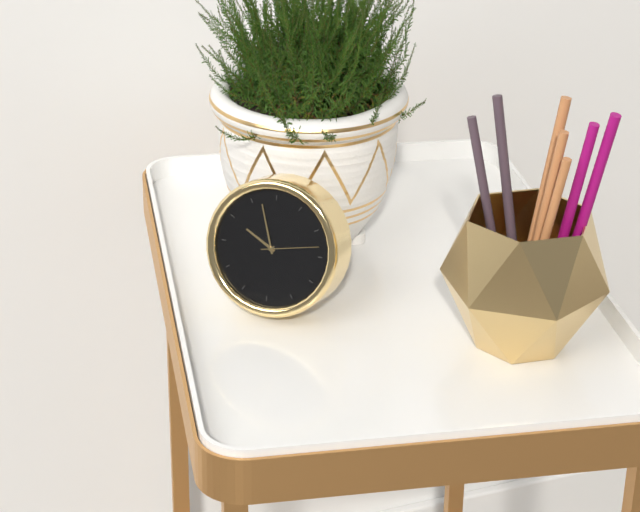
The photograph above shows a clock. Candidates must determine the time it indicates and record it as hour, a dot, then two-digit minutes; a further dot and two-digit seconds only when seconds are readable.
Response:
9.57.13
